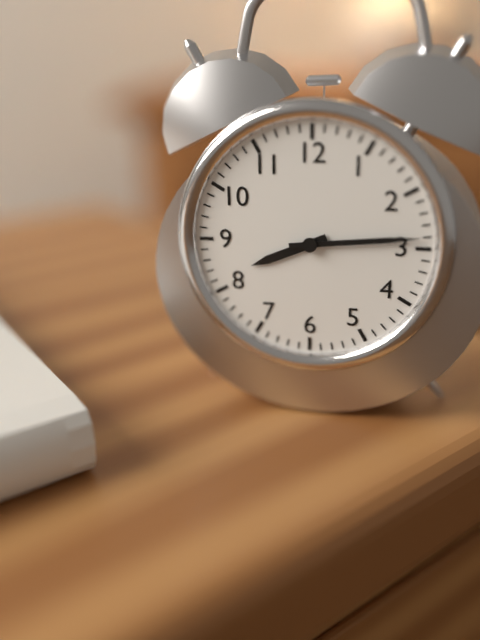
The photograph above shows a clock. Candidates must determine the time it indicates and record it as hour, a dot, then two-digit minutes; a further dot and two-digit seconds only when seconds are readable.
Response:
8.14
